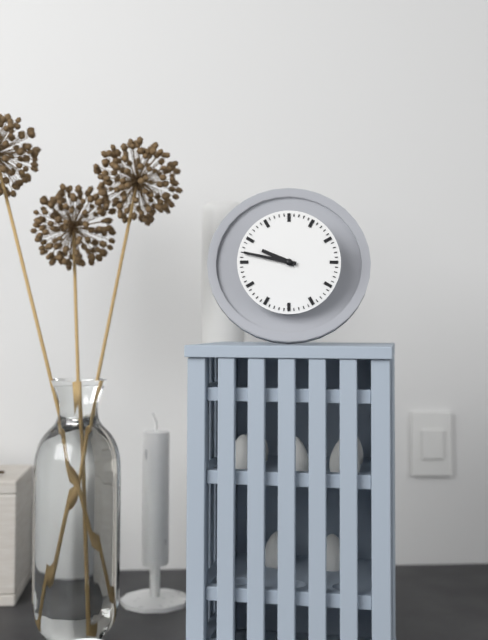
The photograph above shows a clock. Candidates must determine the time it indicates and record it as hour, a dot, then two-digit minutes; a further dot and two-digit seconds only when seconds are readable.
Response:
9.47
